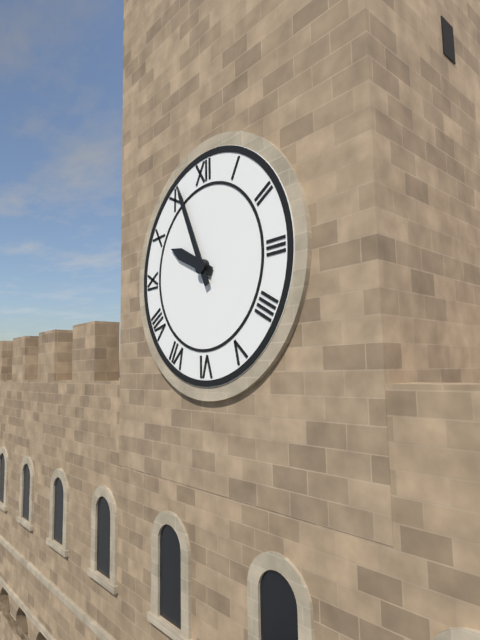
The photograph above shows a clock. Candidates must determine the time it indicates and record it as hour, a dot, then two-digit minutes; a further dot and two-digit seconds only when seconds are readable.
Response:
9.56
